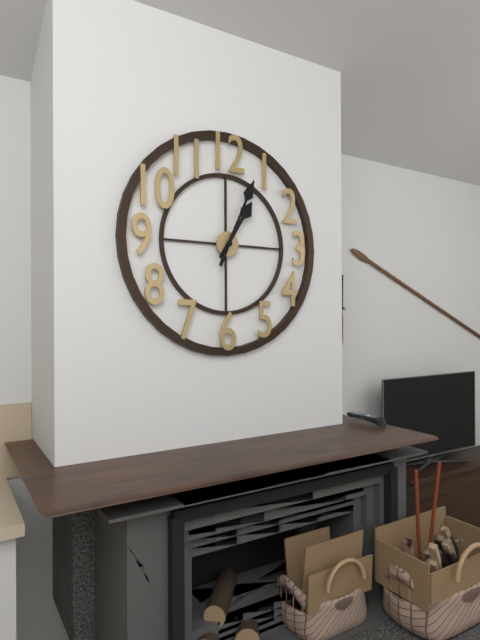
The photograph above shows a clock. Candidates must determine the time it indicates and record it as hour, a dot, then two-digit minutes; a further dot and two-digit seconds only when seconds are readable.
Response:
1.04
